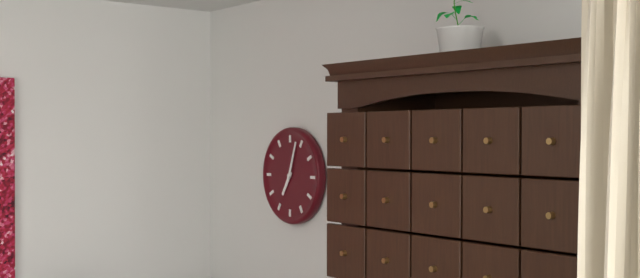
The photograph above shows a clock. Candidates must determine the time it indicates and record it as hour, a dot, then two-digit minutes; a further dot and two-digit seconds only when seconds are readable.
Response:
7.03
